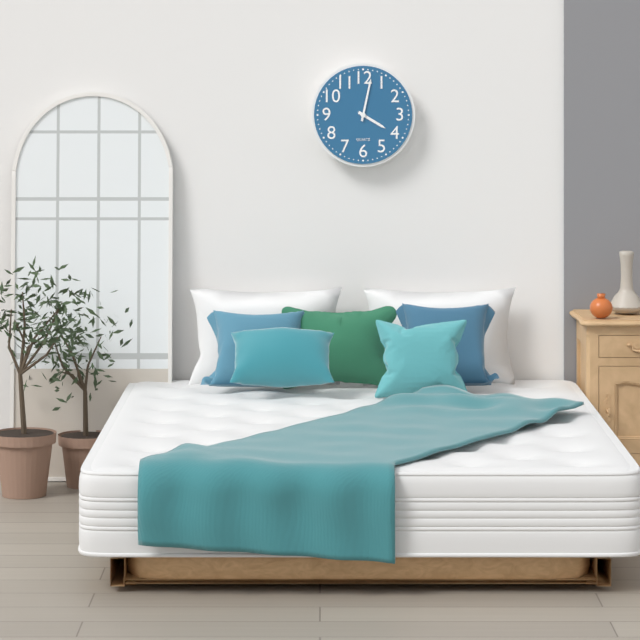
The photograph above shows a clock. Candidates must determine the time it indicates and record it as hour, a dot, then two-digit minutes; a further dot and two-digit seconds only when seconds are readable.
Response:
4.02
